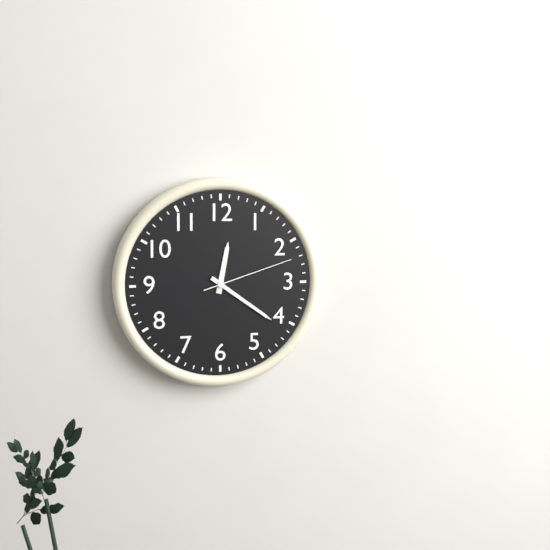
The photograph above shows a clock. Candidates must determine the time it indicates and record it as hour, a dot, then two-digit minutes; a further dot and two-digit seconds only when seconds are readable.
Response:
12.21.12
